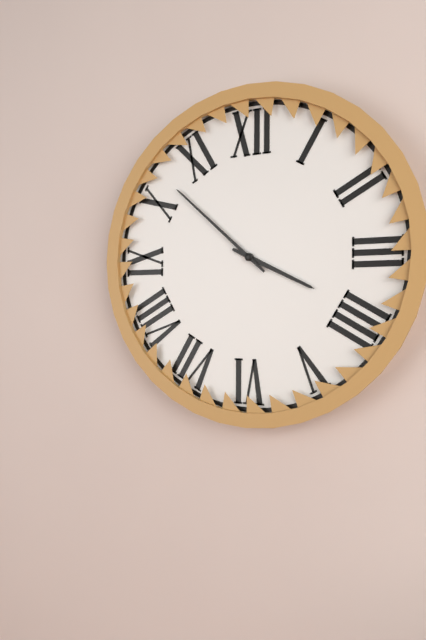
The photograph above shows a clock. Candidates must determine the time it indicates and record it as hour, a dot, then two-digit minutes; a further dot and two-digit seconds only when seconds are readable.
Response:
3.52
